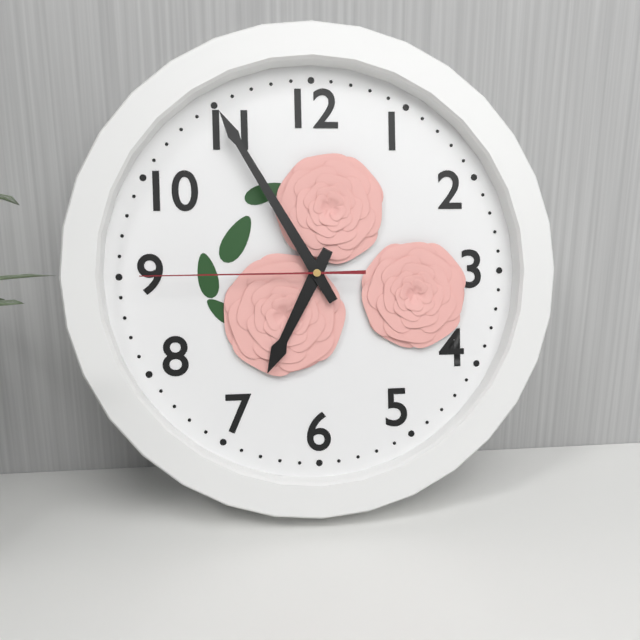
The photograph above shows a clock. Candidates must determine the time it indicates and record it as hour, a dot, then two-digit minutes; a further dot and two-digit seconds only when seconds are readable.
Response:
6.55.45
